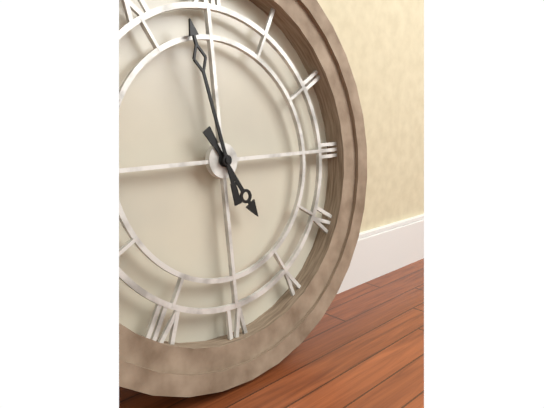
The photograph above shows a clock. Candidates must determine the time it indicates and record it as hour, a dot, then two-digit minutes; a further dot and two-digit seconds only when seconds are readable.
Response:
4.58
